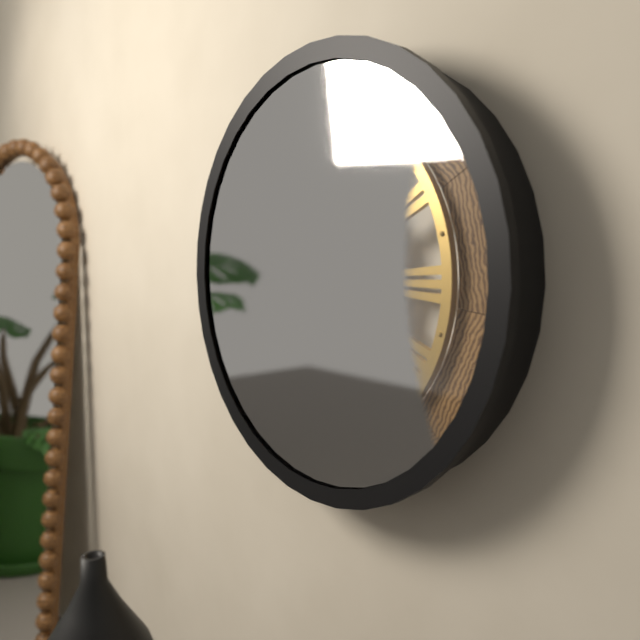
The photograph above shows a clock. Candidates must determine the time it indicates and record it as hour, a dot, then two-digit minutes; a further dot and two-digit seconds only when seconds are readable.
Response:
2.48
